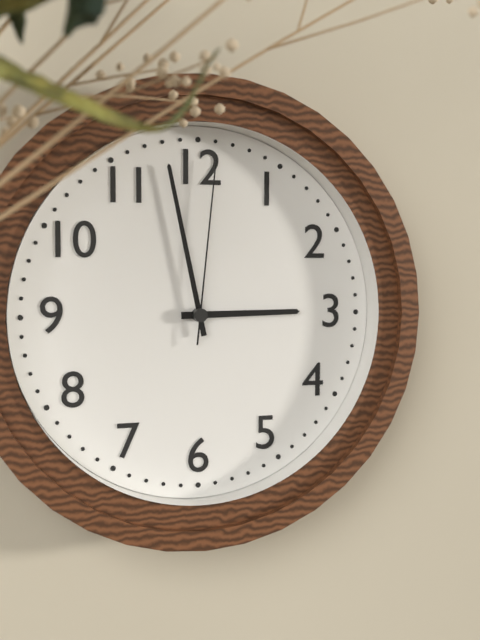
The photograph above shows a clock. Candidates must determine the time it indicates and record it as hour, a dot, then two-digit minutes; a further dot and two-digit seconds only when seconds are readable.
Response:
2.58.01
